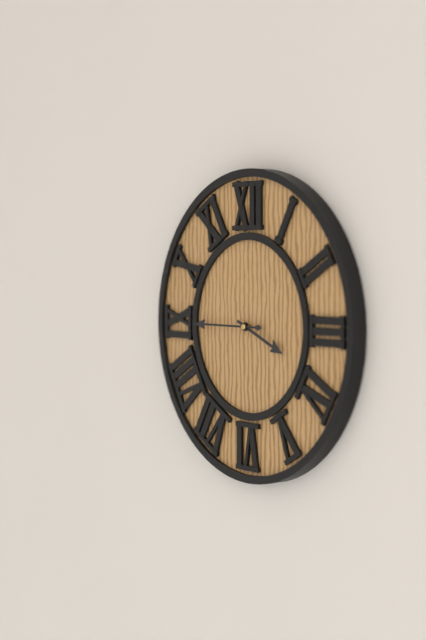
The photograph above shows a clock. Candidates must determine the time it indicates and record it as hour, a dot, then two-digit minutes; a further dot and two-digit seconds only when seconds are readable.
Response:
3.45
